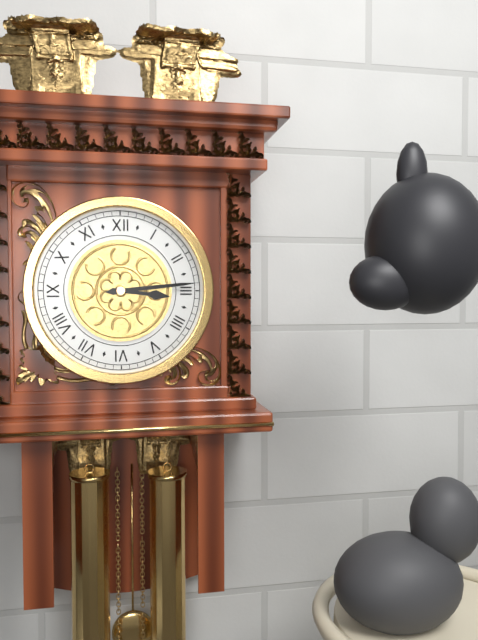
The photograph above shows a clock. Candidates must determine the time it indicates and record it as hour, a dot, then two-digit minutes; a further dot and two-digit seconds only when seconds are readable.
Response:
3.14
